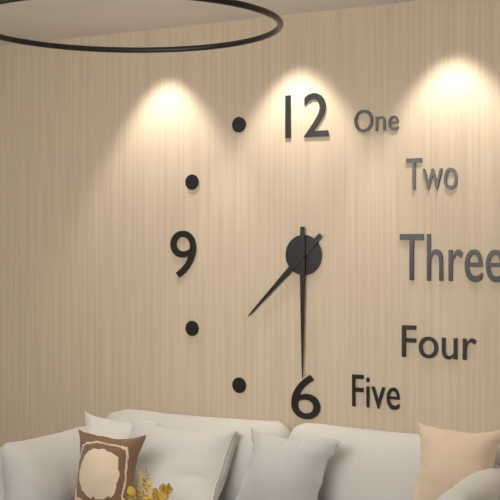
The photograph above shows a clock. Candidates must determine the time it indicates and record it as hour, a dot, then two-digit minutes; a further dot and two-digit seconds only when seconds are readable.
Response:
7.30
